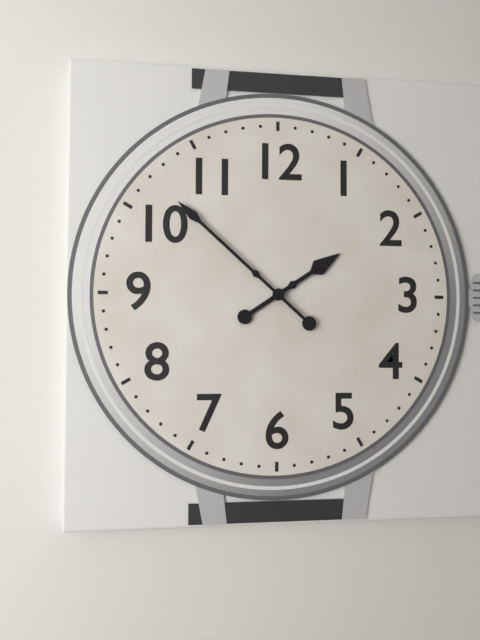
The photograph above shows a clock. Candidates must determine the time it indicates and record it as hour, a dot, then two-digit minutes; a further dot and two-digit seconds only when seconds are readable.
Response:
1.52
